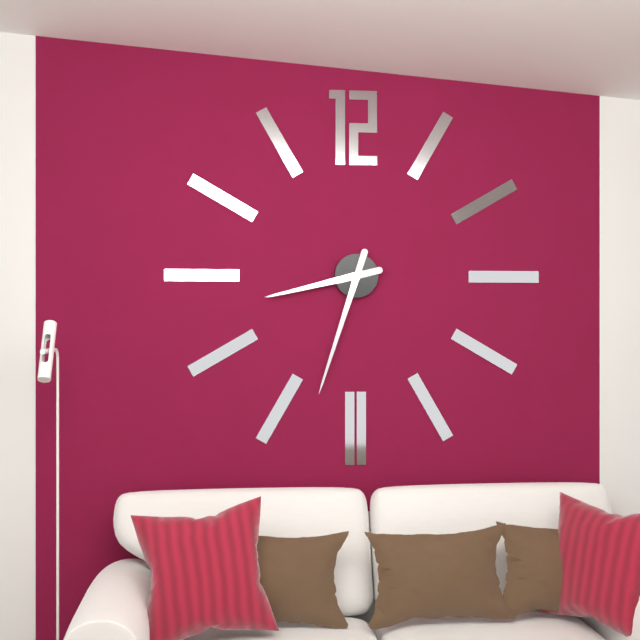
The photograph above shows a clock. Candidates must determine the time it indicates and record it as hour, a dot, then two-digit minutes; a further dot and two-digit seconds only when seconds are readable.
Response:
8.33
